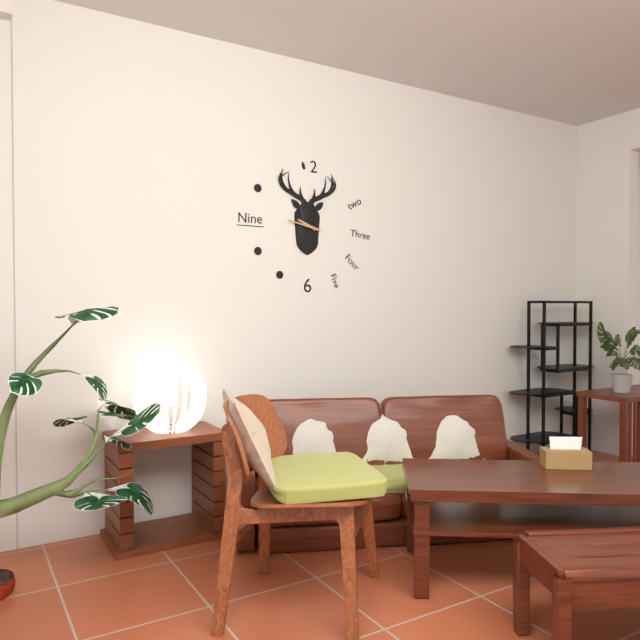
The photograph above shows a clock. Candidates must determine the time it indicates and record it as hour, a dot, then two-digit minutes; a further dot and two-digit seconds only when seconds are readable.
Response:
9.47
